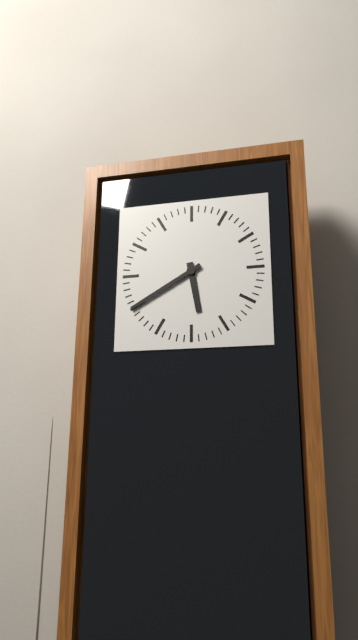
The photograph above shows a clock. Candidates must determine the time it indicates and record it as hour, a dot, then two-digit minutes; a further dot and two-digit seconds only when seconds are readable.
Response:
5.40
